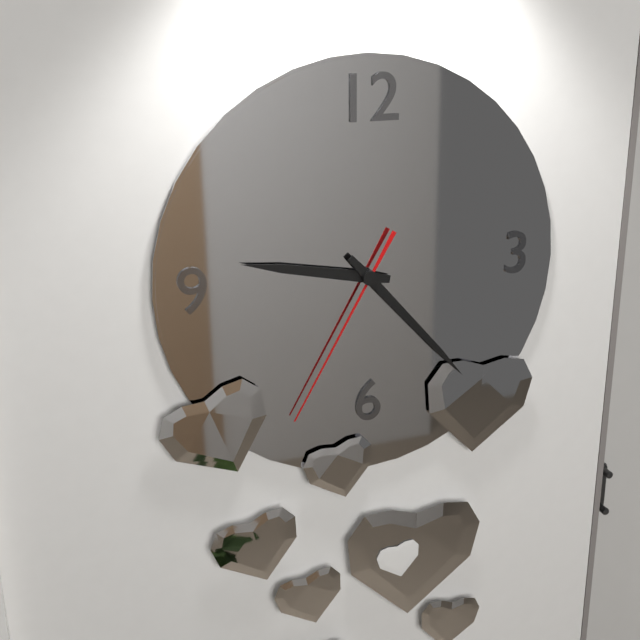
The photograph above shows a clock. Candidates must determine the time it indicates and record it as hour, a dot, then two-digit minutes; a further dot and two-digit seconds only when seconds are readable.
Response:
9.23.35
